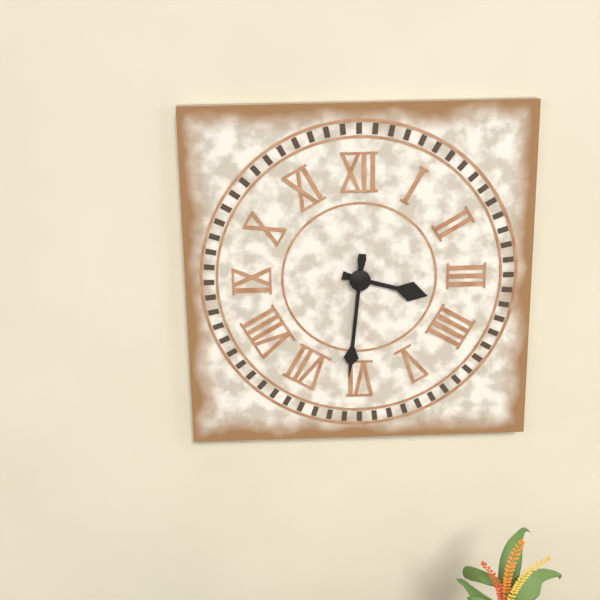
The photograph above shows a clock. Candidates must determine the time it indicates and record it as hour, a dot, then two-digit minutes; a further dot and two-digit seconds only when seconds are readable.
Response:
3.31
